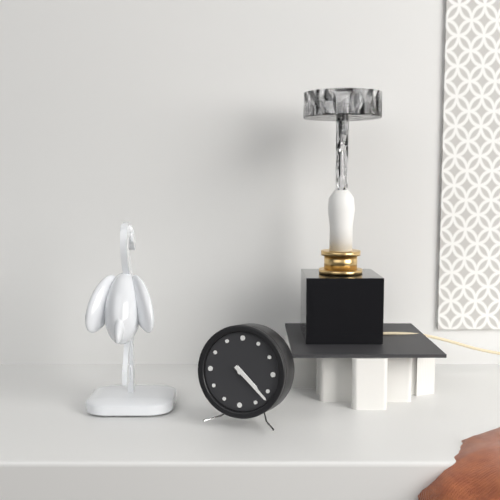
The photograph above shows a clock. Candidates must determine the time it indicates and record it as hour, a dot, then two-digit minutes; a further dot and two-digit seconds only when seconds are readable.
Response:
4.22
